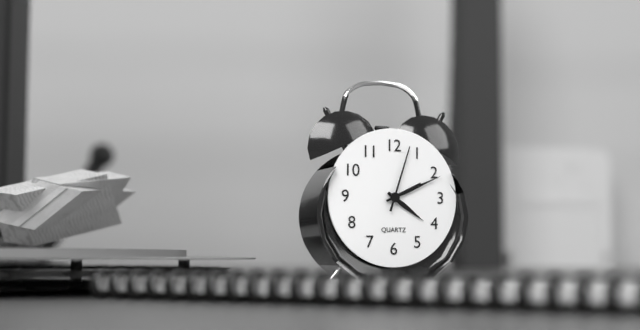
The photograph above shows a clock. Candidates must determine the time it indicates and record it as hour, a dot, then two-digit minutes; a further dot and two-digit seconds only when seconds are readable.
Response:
4.11.03
